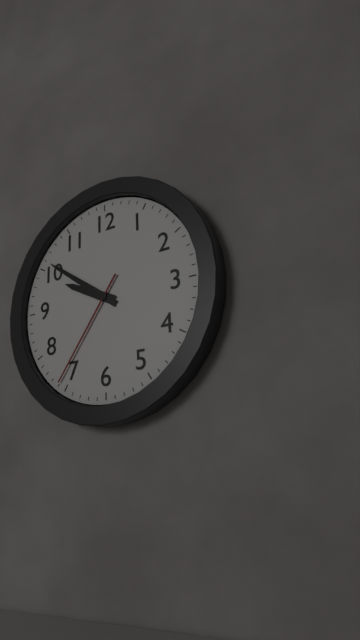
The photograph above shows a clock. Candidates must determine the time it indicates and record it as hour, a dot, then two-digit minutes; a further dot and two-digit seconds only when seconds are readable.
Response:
9.51.36
